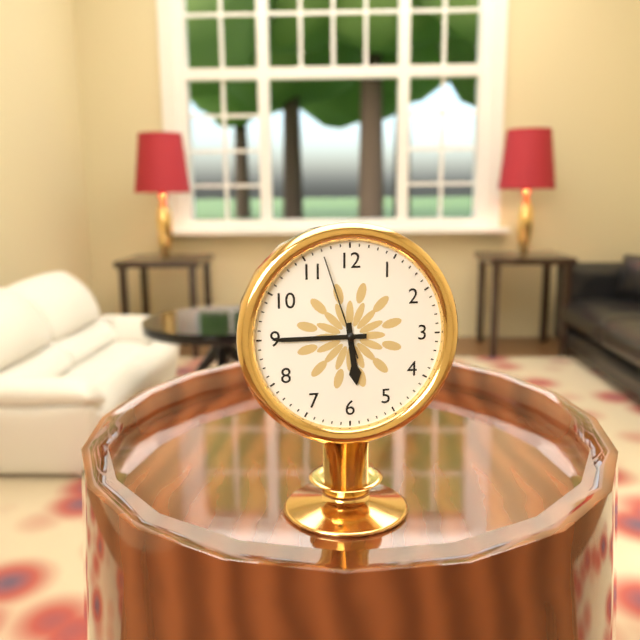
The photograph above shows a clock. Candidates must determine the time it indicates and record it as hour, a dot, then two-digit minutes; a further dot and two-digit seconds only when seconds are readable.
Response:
5.45.57
